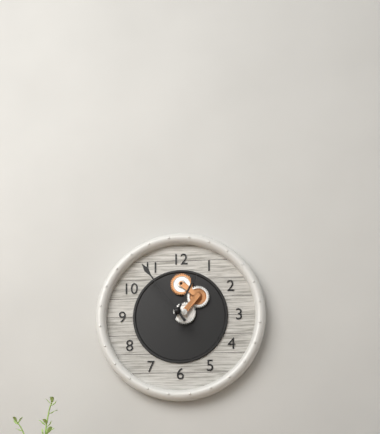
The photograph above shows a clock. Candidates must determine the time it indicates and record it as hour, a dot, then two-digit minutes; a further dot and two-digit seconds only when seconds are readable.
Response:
12.54
